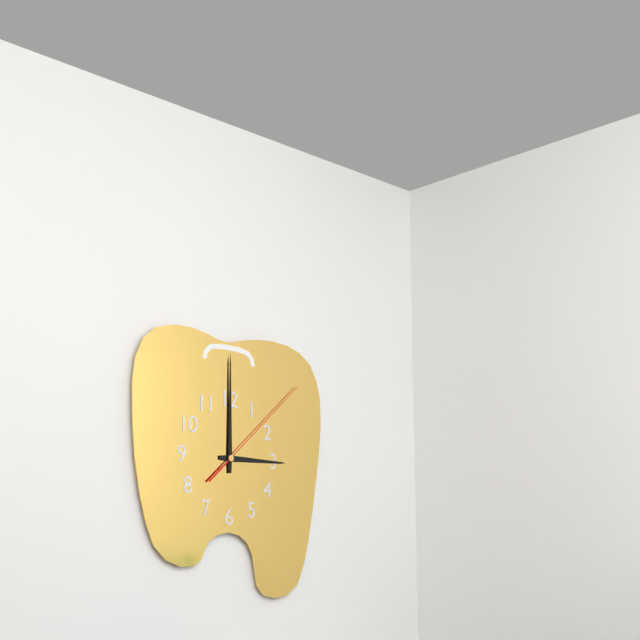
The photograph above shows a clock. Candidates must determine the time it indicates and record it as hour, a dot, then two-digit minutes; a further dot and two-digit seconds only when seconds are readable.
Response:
3.00.08
